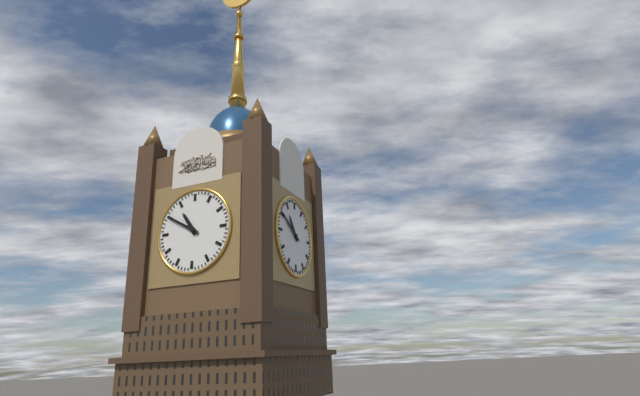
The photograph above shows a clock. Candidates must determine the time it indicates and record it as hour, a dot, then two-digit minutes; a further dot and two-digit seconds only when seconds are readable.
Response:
10.50
